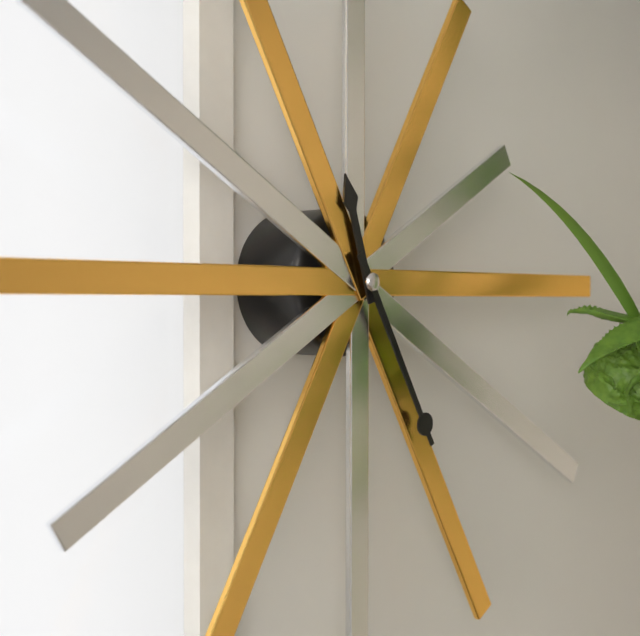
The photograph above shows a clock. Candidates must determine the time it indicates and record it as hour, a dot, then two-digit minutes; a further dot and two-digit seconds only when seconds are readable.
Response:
11.25
